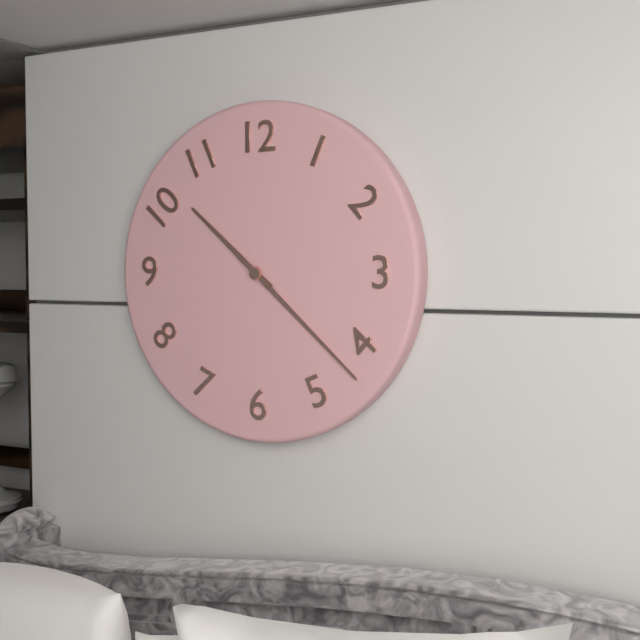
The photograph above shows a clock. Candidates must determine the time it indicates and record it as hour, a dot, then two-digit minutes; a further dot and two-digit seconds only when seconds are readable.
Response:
10.22
